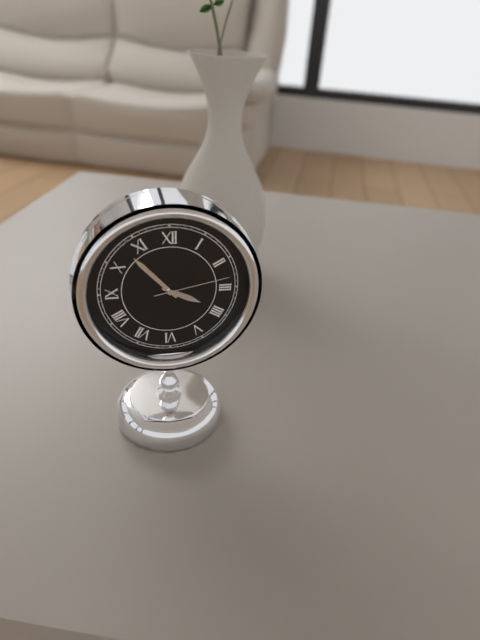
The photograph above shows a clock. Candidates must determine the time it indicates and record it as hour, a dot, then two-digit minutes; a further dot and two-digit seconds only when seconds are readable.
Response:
3.53.13
